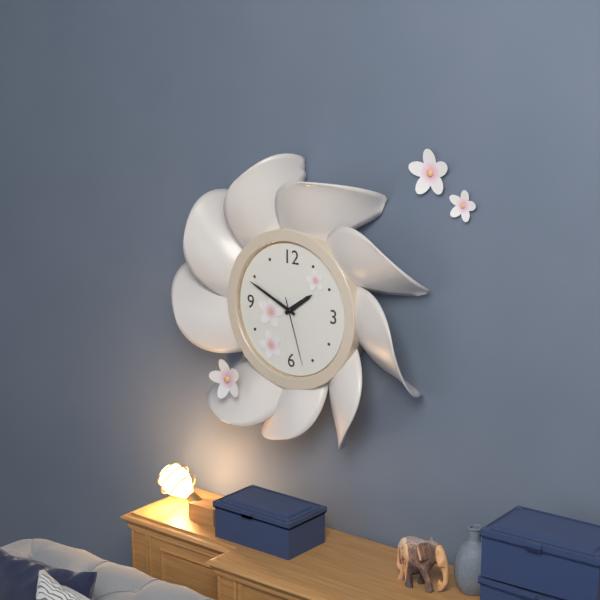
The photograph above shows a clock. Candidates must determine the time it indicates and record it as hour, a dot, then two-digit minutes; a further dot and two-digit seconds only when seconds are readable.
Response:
1.49.27
